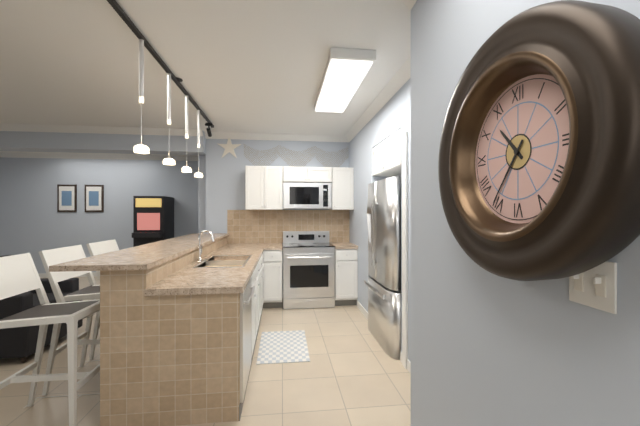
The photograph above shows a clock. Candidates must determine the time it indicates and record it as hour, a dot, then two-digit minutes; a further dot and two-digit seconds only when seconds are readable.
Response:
10.36
